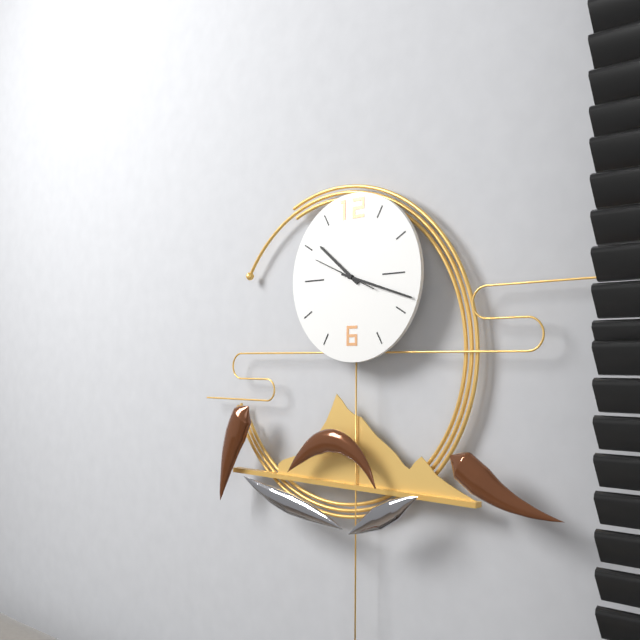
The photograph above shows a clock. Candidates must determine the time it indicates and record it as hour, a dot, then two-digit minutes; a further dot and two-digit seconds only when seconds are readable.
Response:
10.18.49
